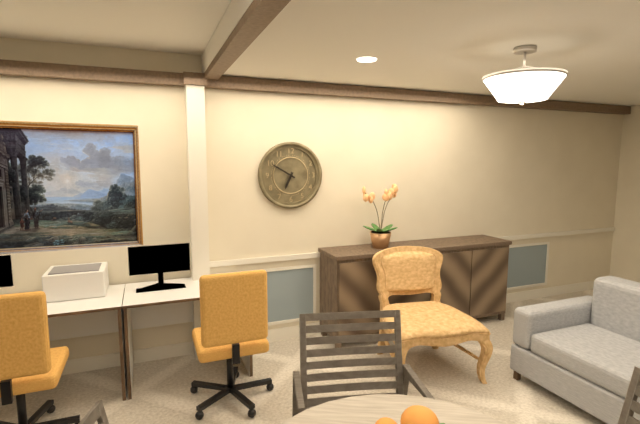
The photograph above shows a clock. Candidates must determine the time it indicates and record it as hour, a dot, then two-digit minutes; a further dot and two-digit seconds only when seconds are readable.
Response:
6.50
